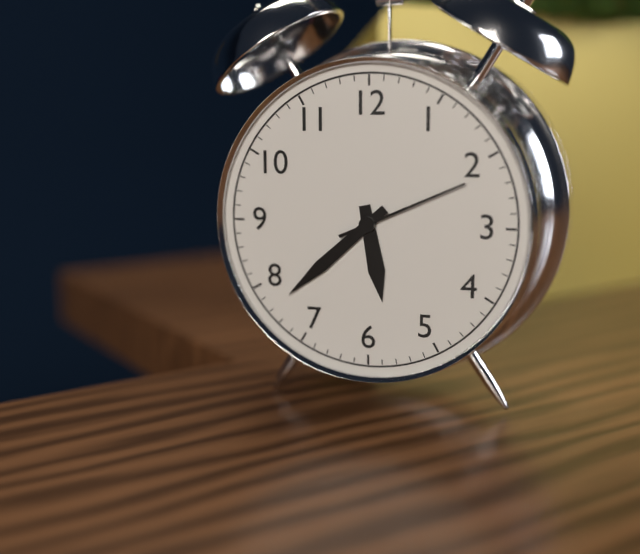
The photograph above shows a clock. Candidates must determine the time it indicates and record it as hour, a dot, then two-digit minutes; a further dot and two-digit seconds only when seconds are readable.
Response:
5.38.11
